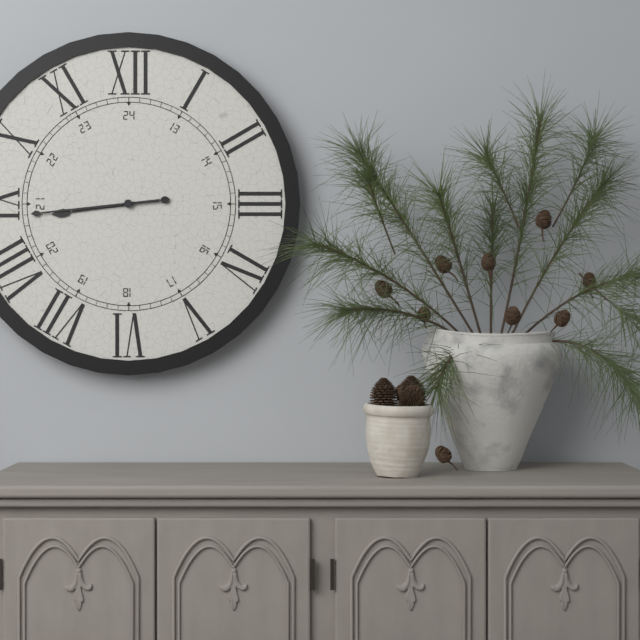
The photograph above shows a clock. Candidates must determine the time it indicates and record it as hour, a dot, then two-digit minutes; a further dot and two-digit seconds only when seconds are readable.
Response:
8.44
